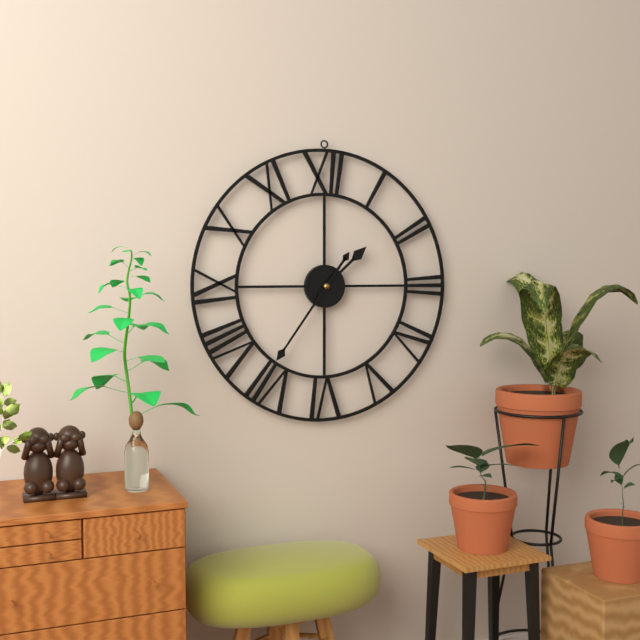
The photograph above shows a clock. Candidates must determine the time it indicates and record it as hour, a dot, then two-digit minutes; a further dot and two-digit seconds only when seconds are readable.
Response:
1.36
